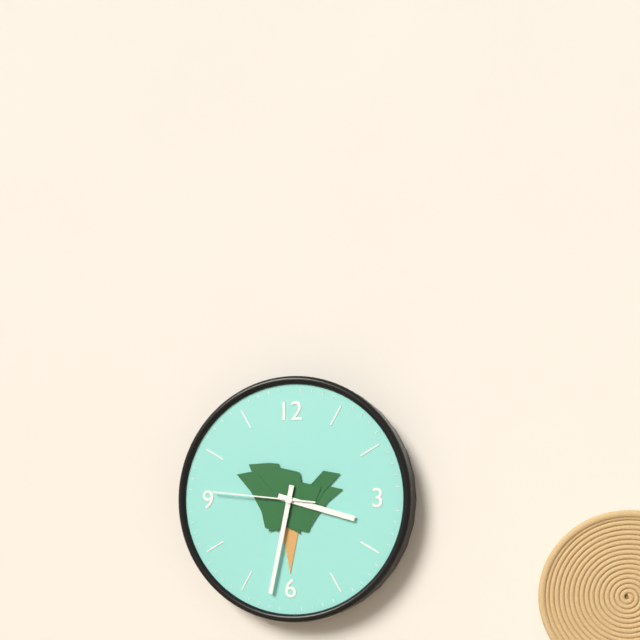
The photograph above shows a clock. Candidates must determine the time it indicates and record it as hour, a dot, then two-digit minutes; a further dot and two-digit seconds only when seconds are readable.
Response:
3.32.46
